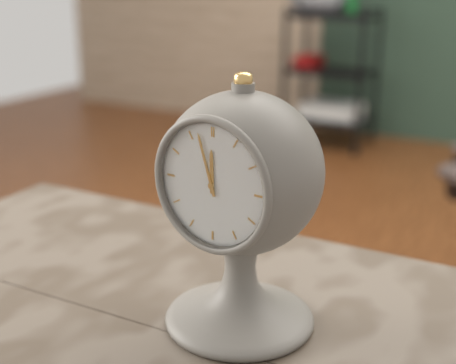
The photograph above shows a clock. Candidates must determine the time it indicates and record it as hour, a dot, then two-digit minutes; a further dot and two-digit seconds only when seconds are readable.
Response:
11.57
